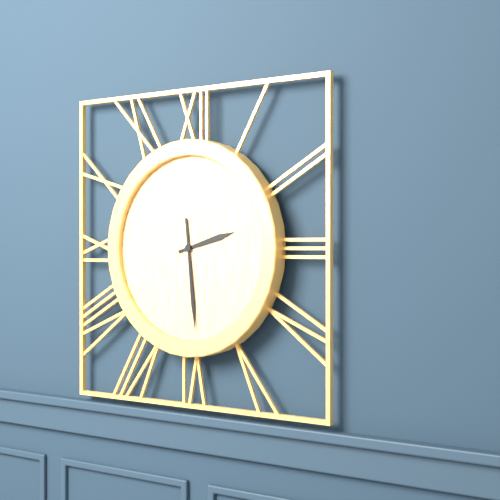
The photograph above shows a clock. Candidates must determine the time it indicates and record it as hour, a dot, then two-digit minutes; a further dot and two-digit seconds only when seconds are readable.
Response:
2.29
